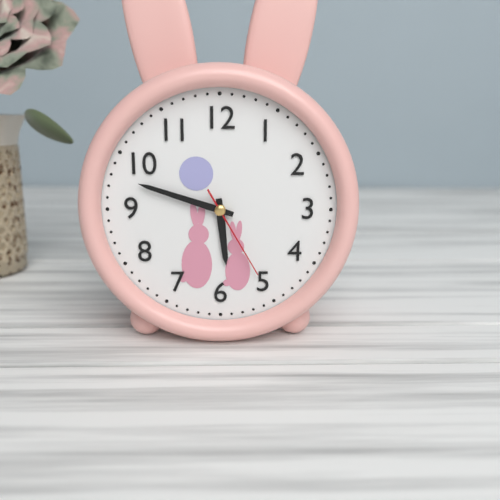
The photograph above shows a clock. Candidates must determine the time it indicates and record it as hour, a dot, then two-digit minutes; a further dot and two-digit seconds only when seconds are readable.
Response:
5.48.25
